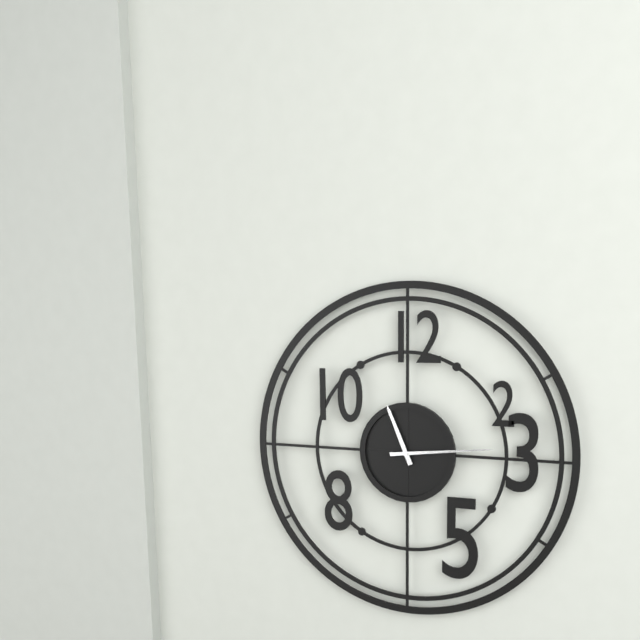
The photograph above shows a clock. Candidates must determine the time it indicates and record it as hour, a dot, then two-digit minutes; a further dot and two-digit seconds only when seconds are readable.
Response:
11.14
